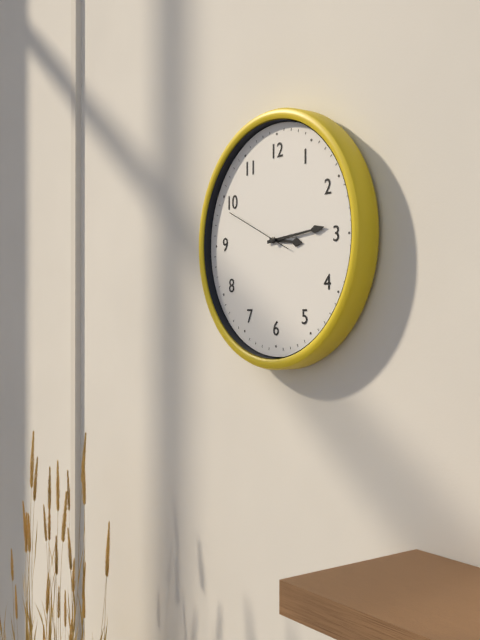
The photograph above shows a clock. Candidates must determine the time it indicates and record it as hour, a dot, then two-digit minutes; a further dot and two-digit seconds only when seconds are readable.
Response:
3.14.49
